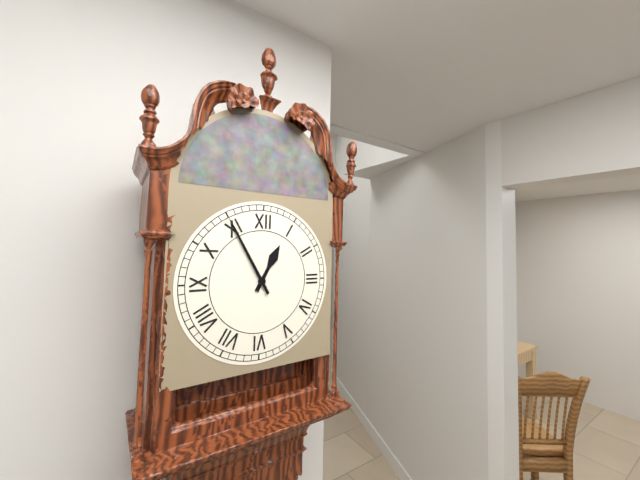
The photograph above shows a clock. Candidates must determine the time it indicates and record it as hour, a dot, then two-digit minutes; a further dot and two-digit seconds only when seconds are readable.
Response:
12.55
